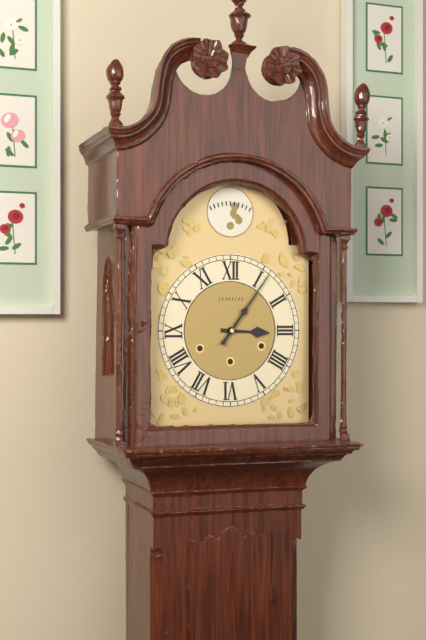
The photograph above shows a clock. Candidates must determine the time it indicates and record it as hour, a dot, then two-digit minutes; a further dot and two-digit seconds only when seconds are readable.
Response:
3.06
